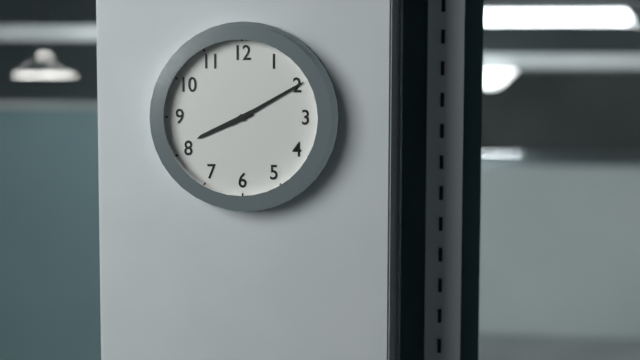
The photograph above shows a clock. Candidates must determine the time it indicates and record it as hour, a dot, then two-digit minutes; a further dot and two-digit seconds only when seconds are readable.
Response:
8.10
